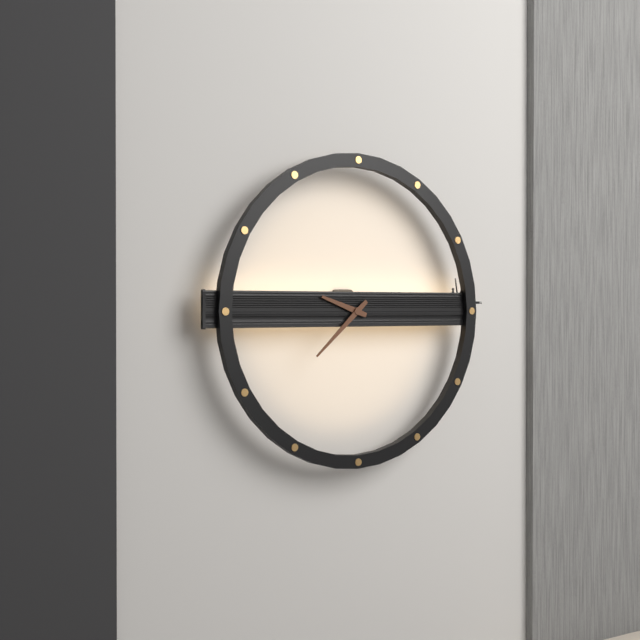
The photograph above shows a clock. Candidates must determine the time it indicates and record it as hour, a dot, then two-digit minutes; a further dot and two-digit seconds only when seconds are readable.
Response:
9.38
